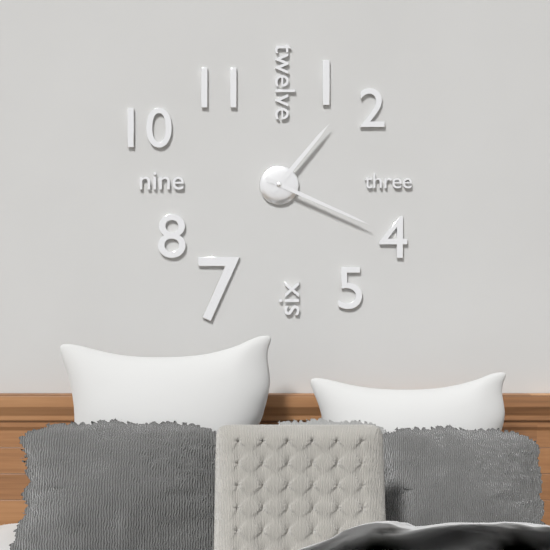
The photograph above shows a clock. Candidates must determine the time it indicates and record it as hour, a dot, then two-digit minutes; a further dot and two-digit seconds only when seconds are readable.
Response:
1.19
